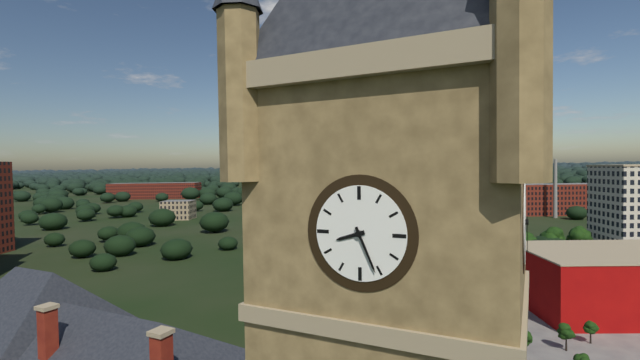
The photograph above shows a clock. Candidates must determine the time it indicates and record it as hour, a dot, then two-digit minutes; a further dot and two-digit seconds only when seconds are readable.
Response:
8.26
